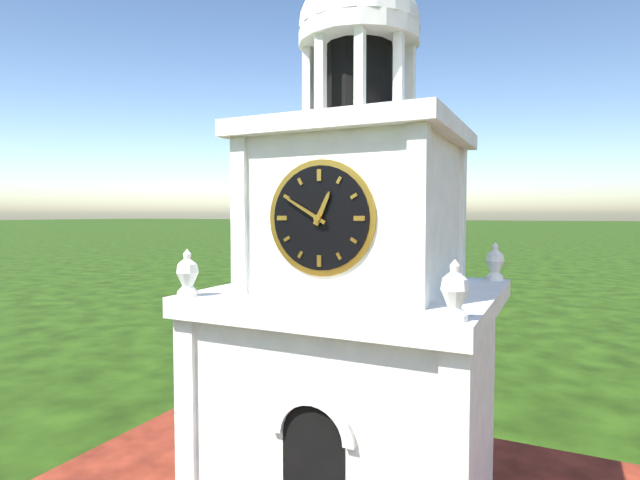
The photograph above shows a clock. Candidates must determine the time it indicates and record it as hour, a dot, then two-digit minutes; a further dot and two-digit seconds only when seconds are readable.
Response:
12.50
